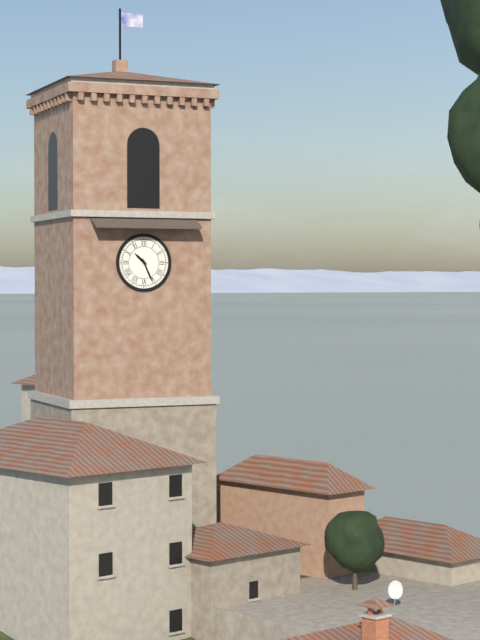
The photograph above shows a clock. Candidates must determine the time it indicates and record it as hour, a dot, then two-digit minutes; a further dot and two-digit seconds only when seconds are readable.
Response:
10.26
